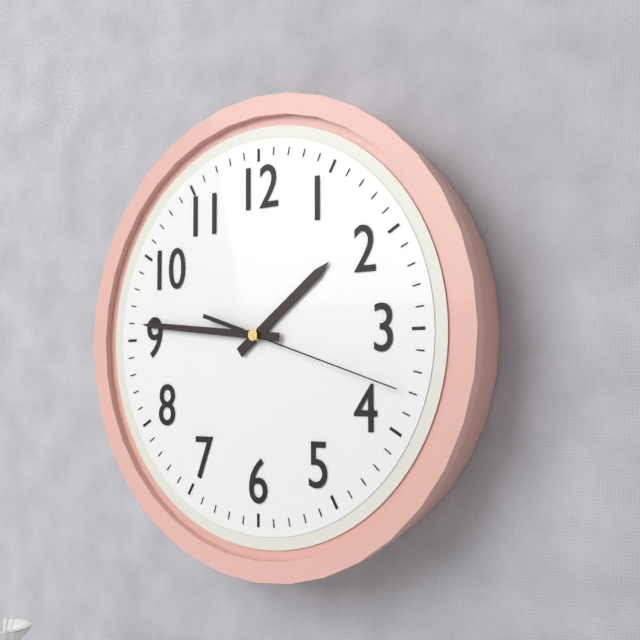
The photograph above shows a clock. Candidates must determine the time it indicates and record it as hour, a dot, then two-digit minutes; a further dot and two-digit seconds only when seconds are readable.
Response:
1.46.18
